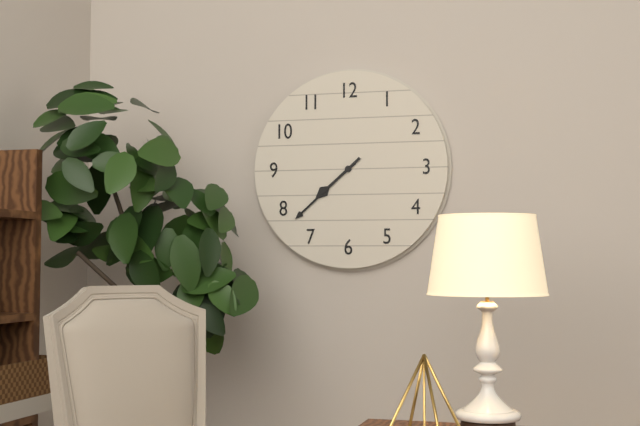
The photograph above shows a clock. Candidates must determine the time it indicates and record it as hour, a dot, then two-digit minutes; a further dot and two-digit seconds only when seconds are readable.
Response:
7.38
